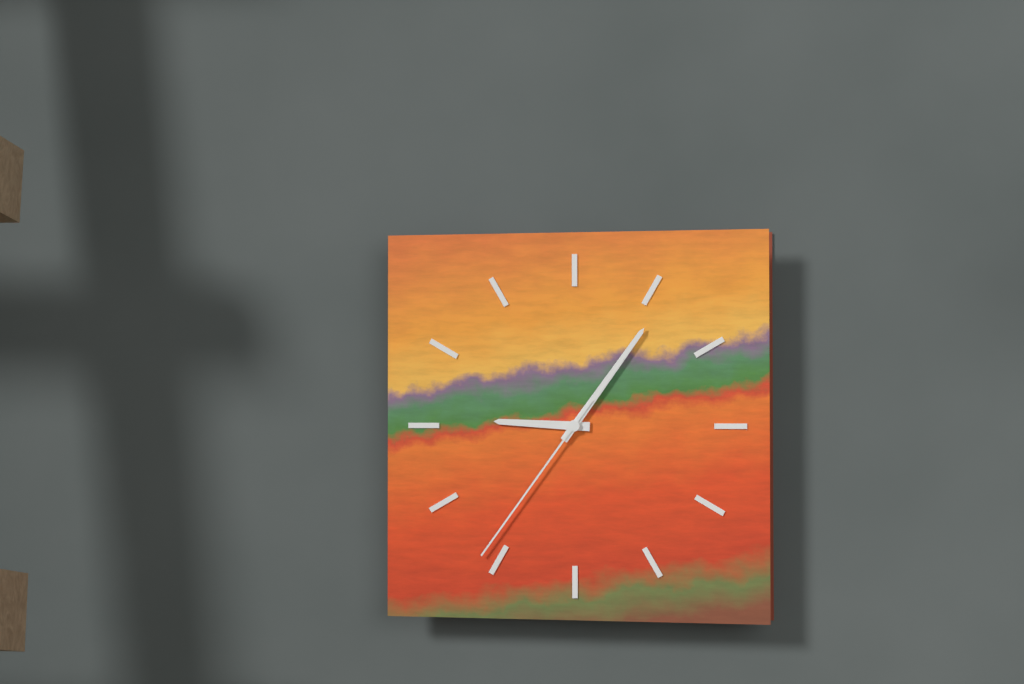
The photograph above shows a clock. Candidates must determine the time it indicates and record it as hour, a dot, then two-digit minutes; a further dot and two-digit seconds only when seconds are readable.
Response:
9.06.36
